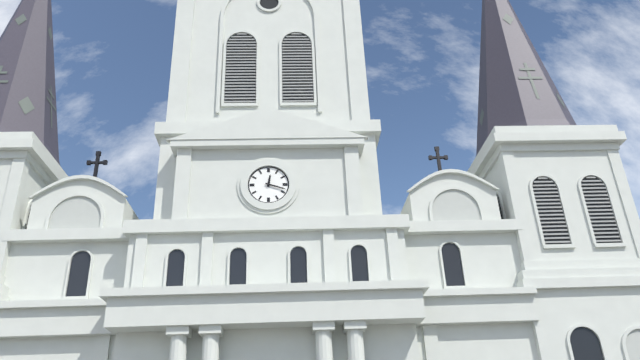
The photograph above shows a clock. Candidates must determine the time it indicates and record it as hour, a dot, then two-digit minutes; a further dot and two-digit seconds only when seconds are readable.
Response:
12.18
